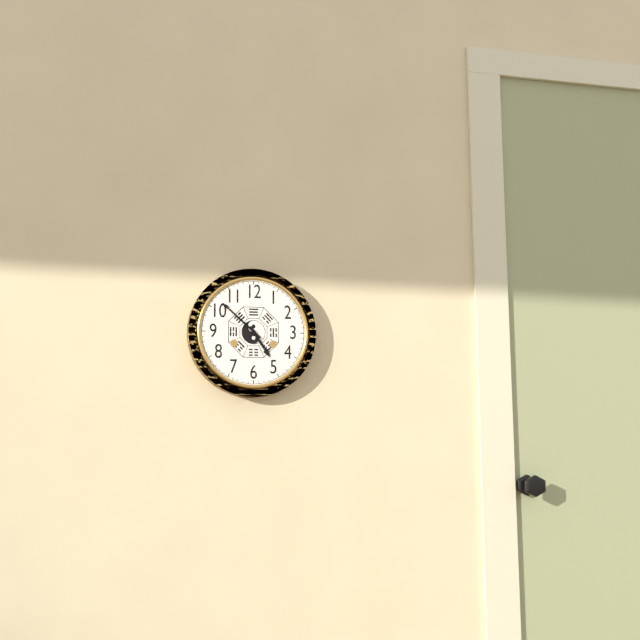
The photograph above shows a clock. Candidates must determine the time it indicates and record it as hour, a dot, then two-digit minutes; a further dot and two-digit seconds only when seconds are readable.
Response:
4.52
